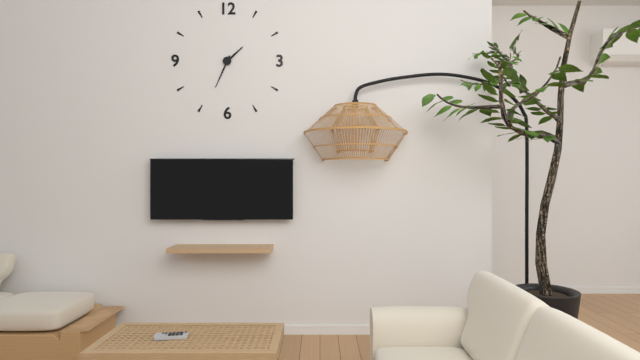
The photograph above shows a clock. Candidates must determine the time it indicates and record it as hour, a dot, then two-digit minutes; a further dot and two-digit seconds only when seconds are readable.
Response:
1.34
